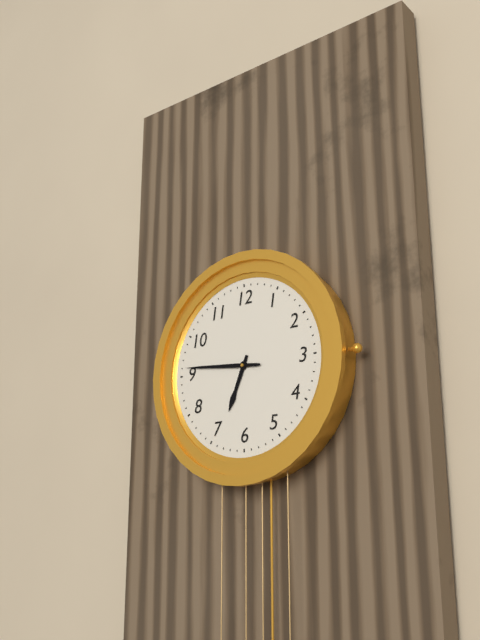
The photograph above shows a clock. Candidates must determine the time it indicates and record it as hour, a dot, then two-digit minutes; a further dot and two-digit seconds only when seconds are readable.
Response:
6.46
